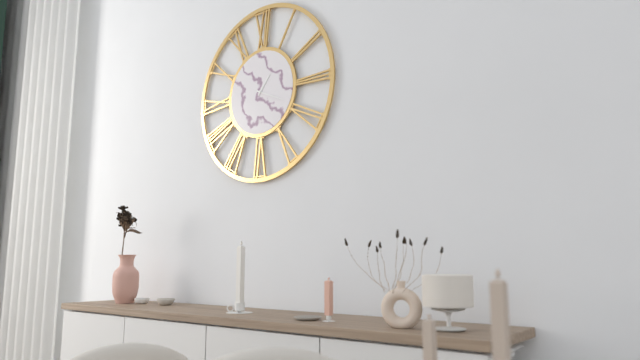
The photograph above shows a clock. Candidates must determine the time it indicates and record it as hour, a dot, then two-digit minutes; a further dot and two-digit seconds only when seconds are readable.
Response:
1.19
